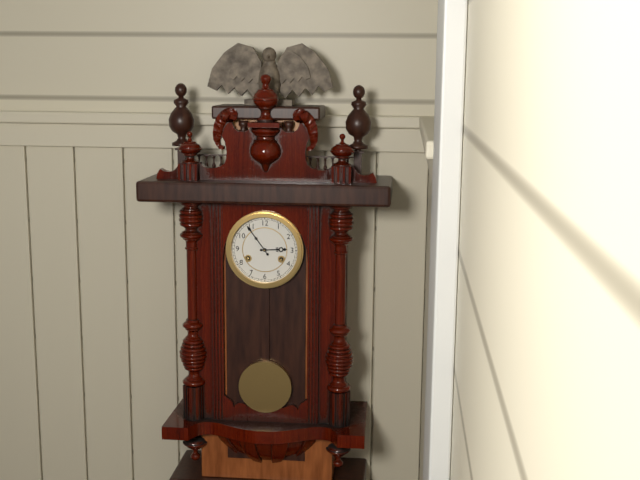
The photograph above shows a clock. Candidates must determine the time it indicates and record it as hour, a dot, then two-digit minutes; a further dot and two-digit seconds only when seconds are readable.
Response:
2.54
